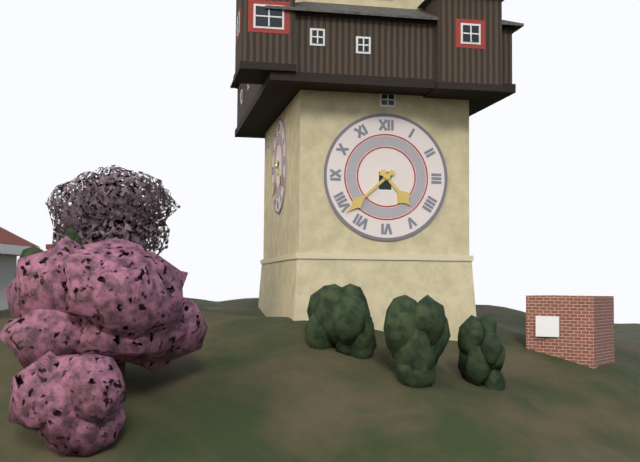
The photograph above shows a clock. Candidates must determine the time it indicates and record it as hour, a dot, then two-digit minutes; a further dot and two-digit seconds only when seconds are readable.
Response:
4.38
